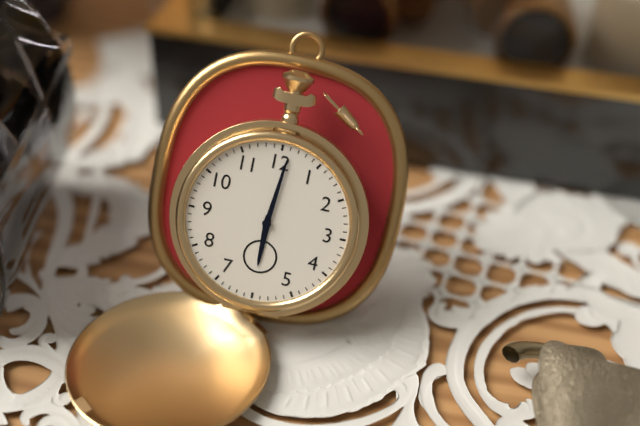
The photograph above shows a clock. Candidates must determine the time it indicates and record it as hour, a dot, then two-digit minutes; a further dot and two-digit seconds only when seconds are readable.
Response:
6.01
